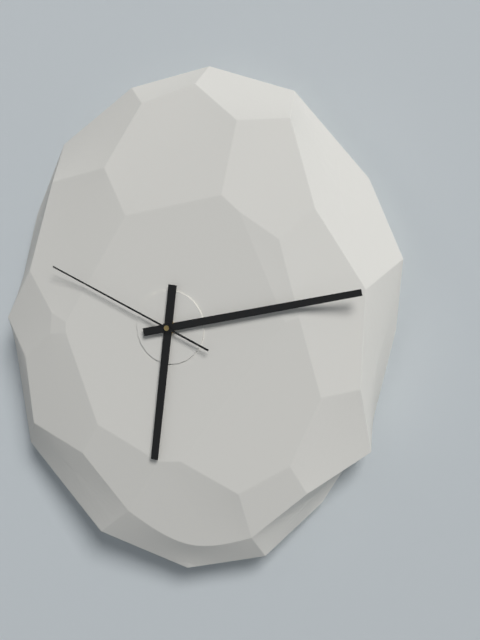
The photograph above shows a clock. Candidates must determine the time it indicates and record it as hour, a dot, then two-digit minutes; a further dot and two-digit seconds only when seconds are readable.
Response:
6.13.49
